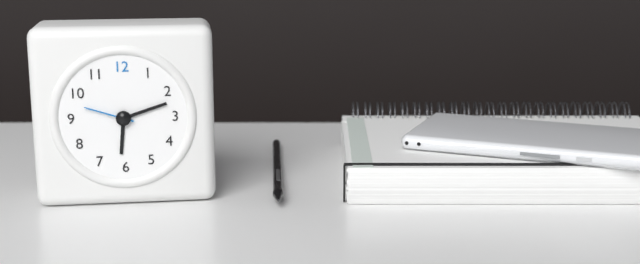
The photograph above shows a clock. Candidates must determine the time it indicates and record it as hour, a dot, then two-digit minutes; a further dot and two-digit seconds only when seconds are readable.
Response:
6.12.48
